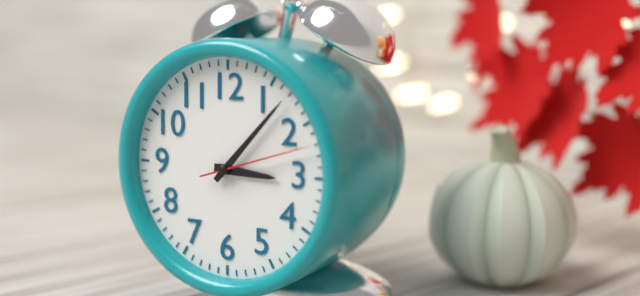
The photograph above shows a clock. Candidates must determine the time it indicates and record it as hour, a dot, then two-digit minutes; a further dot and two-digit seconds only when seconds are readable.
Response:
3.07.12
